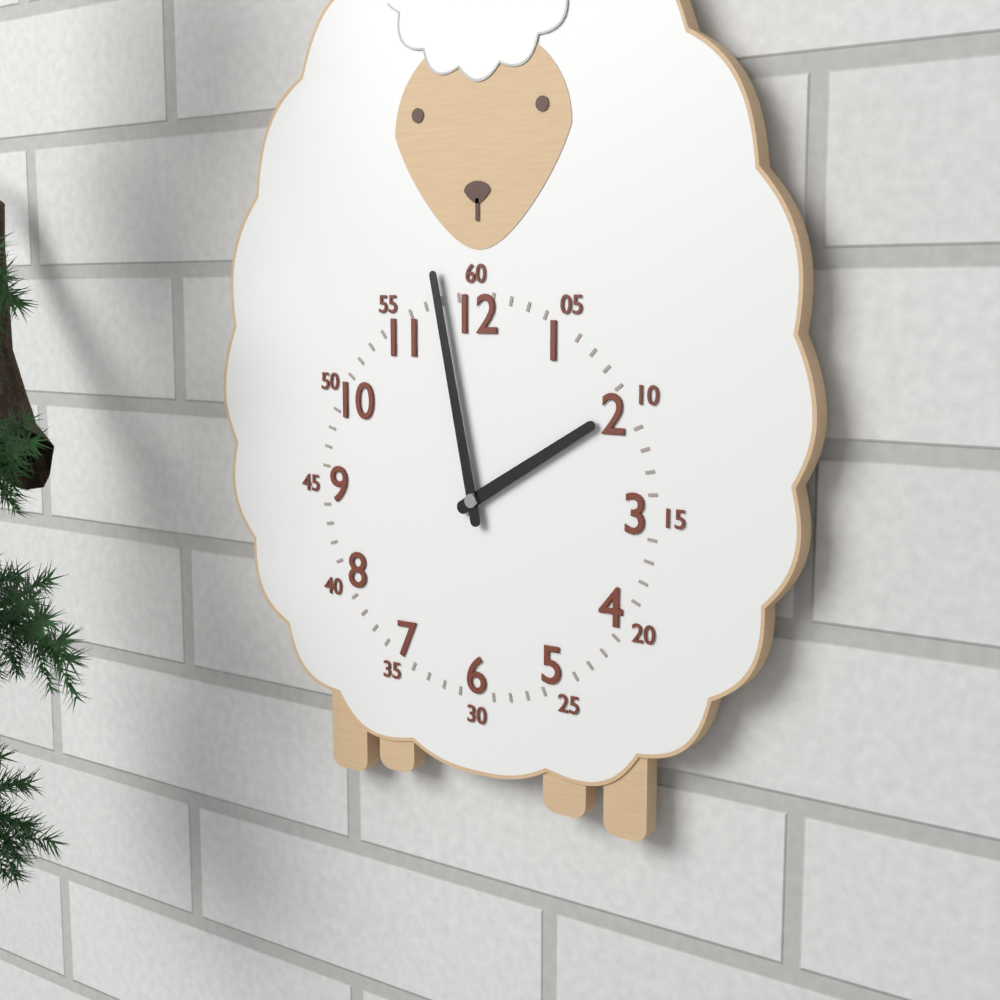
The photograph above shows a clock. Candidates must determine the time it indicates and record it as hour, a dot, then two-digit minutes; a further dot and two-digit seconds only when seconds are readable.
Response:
1.58
